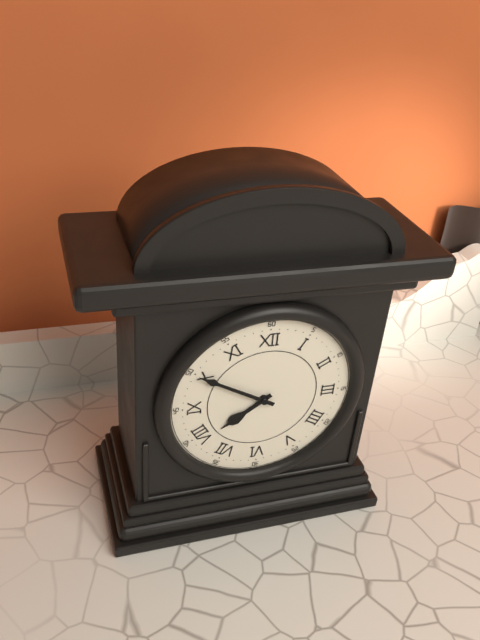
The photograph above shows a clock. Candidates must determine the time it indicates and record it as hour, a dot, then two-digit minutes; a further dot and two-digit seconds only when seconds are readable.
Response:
7.50
